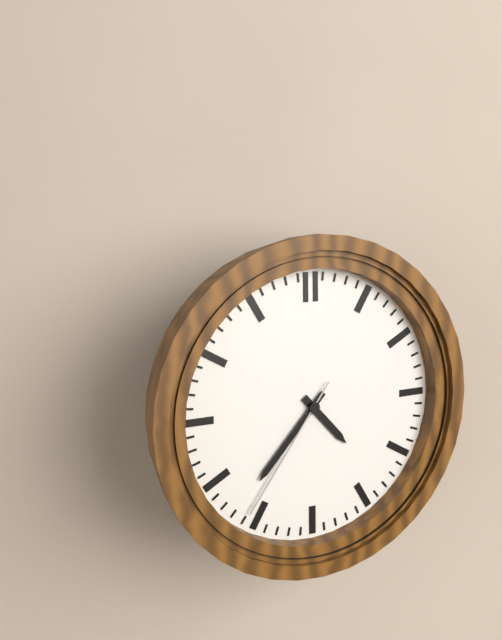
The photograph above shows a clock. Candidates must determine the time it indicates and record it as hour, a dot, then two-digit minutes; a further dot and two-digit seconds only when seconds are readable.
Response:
4.37.36
